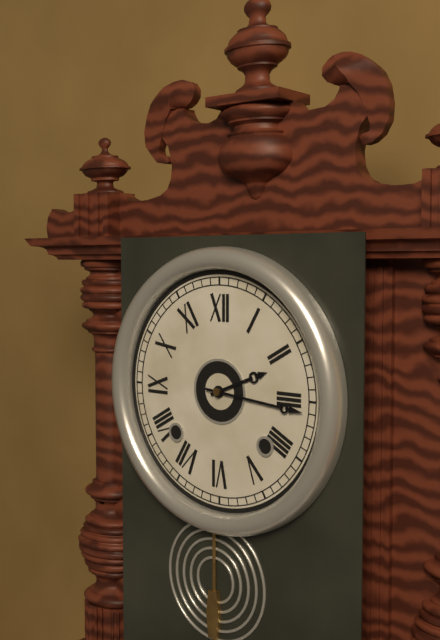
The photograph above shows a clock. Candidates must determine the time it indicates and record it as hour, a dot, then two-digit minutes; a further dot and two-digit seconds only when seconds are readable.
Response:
2.16
